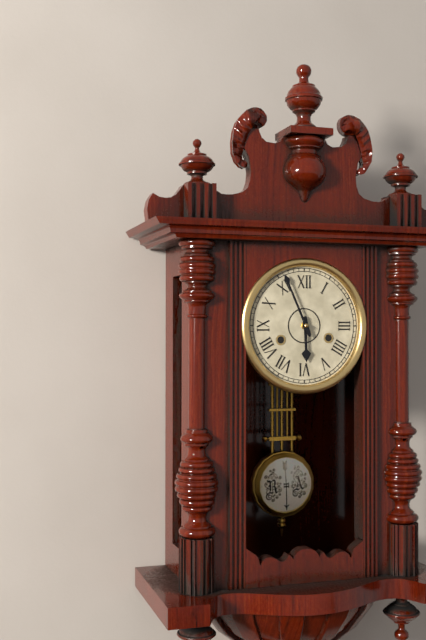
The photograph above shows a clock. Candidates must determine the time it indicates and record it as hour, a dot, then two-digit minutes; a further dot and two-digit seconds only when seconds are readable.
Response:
5.56
